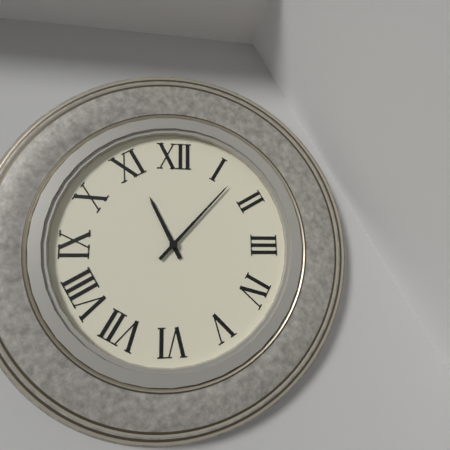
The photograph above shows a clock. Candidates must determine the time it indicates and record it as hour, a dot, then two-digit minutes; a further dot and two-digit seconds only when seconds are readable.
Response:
11.07
